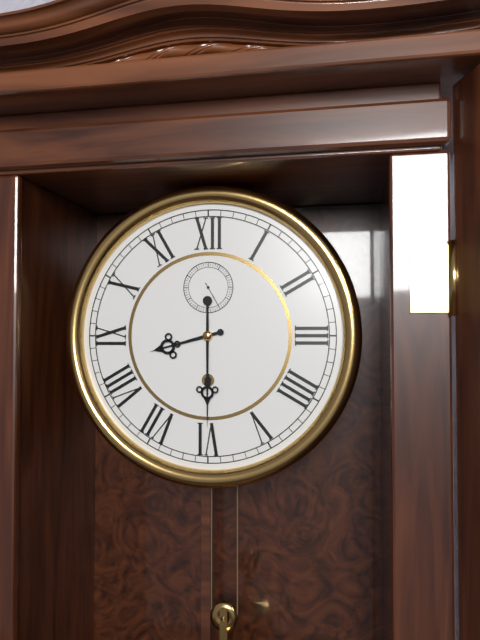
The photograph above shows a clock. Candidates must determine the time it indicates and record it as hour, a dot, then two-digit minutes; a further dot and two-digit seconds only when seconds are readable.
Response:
8.30
